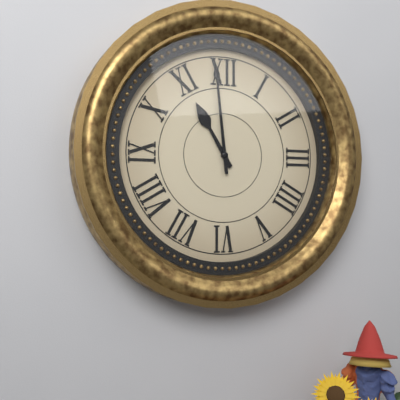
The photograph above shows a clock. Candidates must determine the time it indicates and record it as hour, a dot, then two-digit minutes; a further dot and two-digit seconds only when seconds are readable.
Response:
10.59
